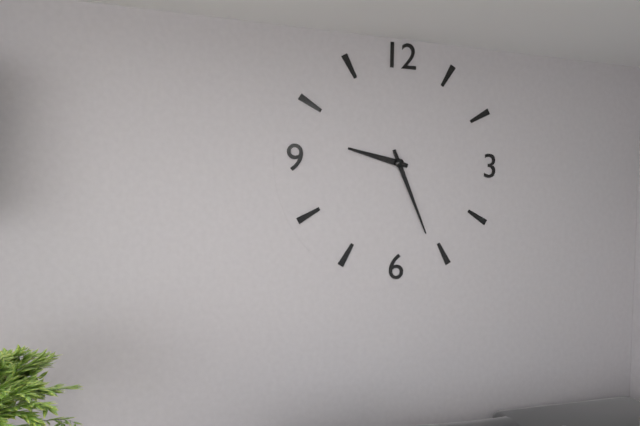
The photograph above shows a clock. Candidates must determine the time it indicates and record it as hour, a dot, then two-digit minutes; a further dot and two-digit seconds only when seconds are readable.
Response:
9.26
